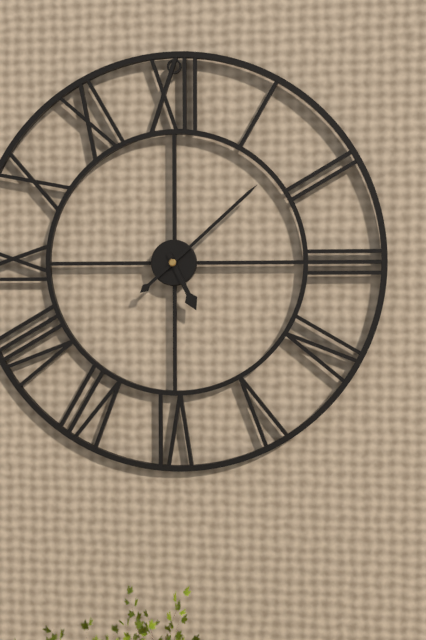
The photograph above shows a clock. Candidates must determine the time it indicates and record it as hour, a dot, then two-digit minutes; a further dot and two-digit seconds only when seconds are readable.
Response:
5.08
